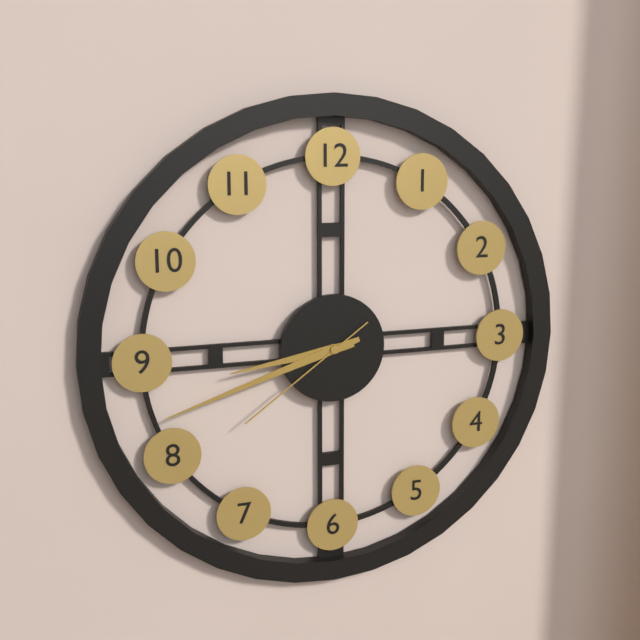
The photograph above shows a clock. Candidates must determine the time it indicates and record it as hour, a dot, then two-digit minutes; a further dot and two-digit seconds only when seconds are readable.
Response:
8.42.39
